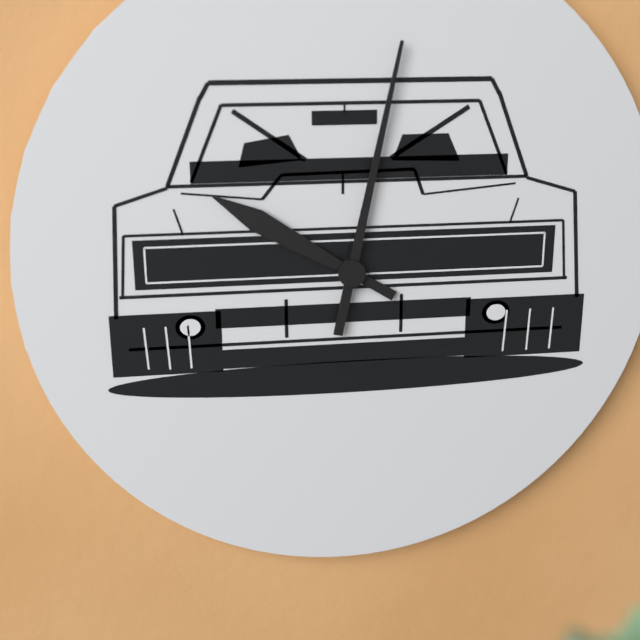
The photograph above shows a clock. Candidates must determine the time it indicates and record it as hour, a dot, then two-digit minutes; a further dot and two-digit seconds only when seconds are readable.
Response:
10.02
